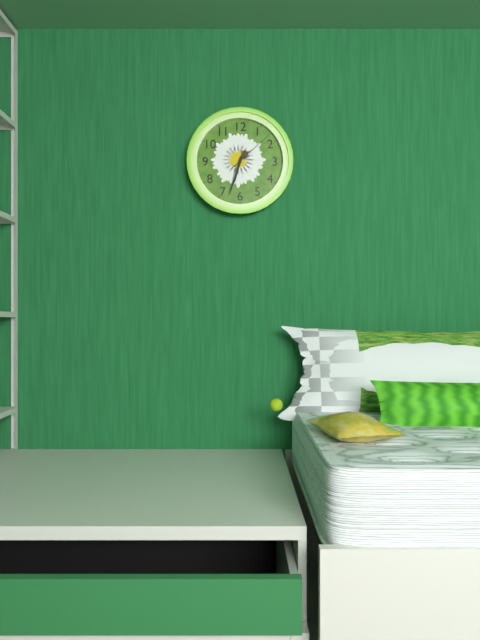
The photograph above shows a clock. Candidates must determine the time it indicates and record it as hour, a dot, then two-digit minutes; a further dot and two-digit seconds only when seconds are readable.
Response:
6.33
